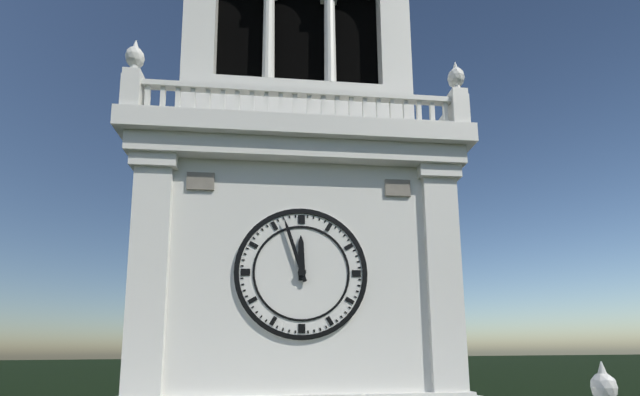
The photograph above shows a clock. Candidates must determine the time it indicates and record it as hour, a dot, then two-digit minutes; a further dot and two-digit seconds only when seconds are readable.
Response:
11.57
